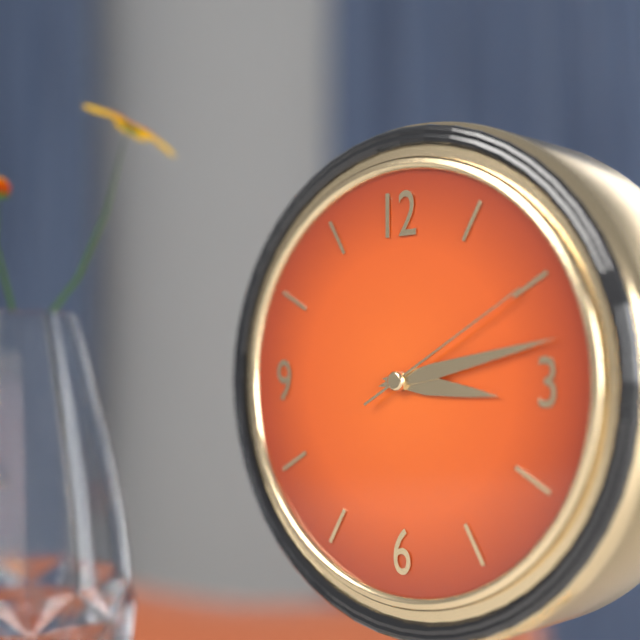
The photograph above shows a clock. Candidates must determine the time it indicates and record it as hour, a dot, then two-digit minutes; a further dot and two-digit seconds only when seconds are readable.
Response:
3.13.10
